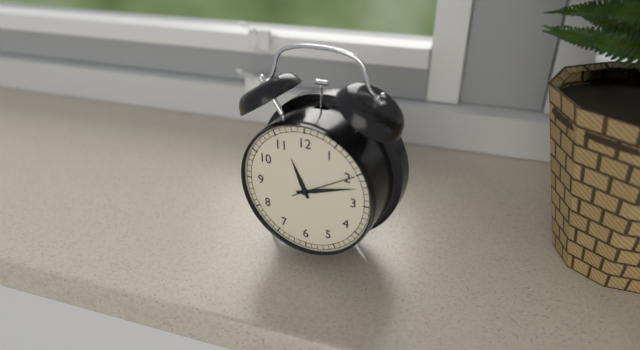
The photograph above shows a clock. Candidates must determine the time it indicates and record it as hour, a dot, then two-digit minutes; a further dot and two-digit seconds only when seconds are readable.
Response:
11.12
